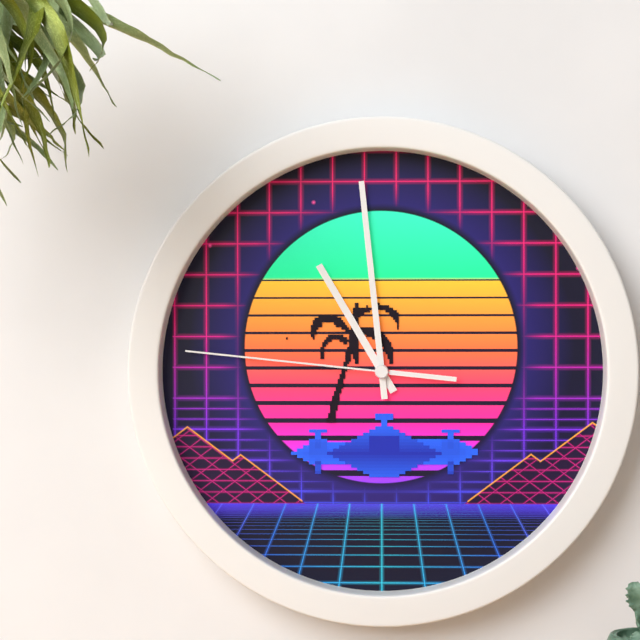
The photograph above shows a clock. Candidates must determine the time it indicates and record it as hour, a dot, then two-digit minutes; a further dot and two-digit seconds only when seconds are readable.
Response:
10.59.46
